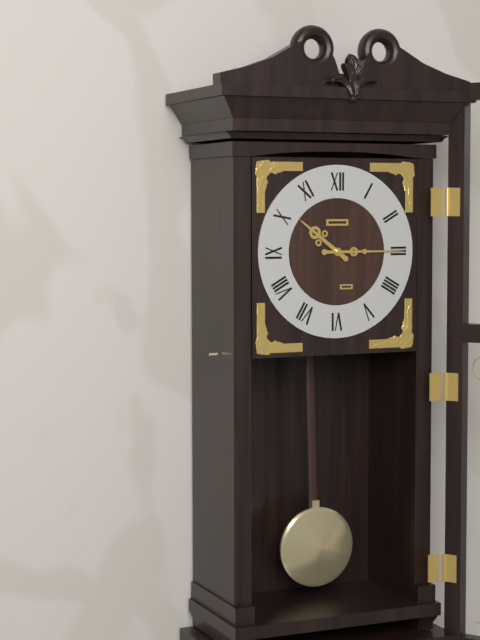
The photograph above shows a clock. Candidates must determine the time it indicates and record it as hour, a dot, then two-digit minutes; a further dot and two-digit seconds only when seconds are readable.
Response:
10.15
